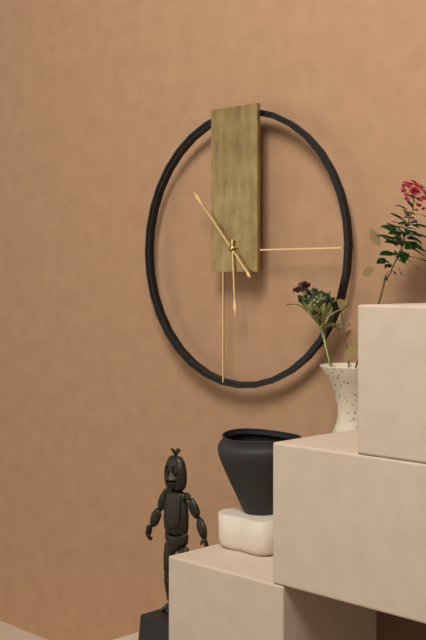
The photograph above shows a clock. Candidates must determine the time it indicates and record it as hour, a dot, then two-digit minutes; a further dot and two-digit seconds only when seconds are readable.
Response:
5.53
